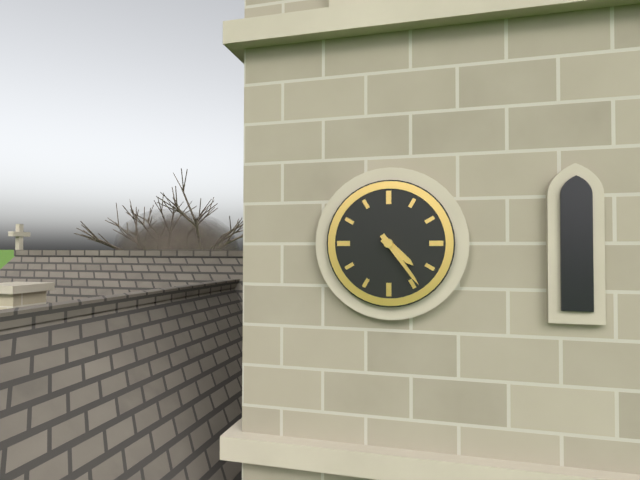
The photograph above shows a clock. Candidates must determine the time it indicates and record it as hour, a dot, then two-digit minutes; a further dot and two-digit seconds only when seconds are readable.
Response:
4.24
